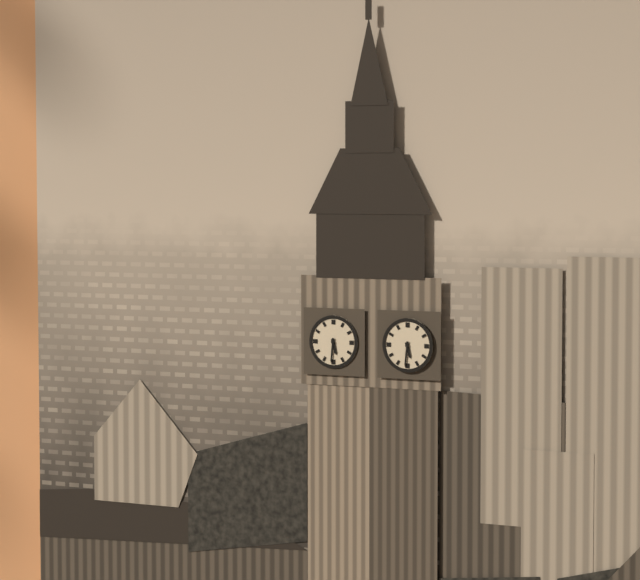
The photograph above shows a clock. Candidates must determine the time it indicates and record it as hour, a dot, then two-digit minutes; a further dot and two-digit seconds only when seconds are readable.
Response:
5.31
